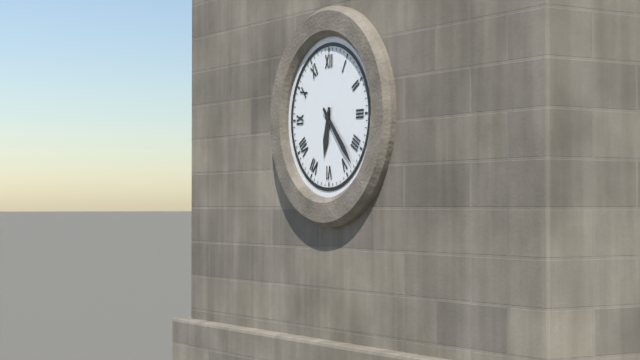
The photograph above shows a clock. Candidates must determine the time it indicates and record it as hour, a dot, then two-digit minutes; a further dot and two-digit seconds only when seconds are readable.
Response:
6.23
